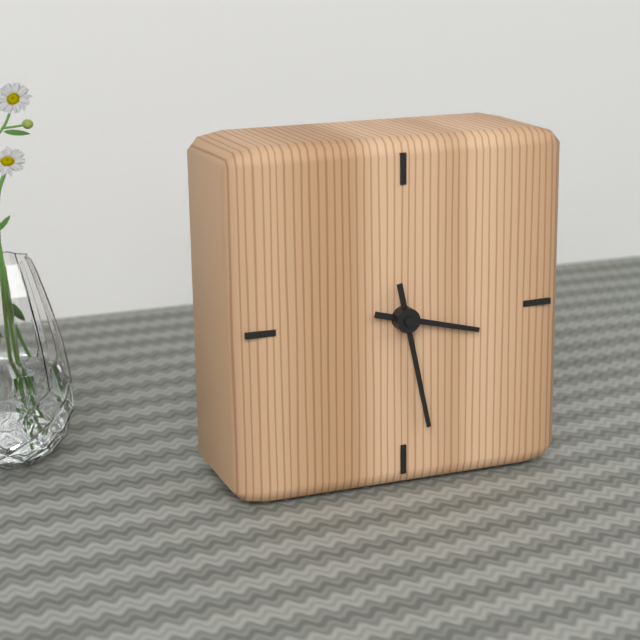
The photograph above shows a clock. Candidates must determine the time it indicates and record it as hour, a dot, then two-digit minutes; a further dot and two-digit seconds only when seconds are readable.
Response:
3.28
